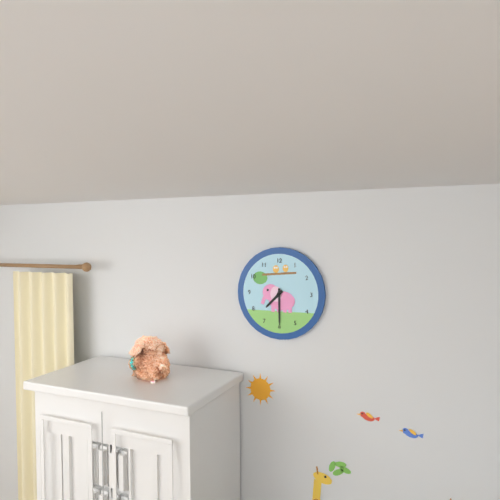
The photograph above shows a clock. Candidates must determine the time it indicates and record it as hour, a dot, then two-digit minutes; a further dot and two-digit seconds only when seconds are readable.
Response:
7.30
